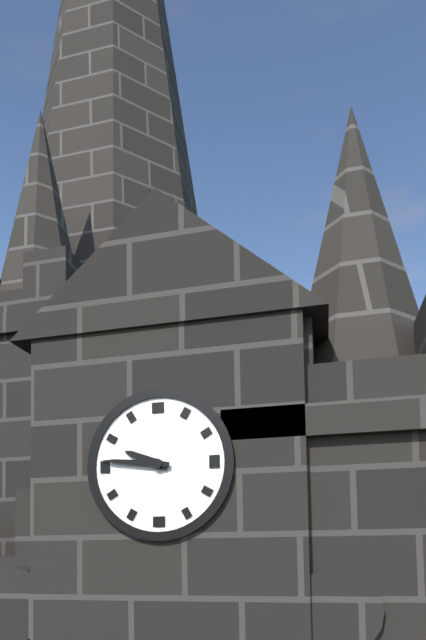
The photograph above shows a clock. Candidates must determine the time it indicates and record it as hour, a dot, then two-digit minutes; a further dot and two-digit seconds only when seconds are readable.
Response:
9.46
